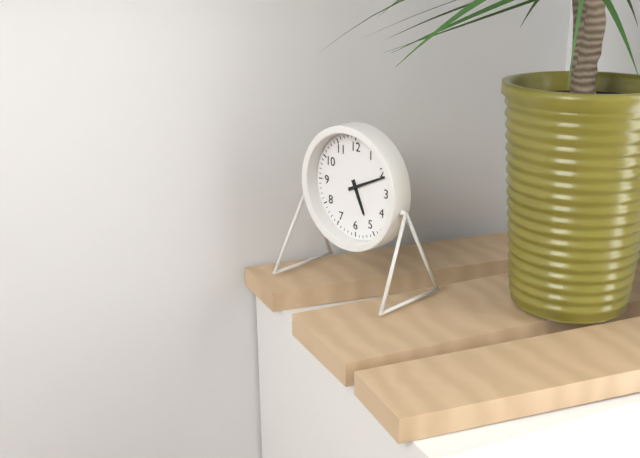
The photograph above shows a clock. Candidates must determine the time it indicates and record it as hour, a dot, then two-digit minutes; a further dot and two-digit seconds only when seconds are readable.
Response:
5.11
